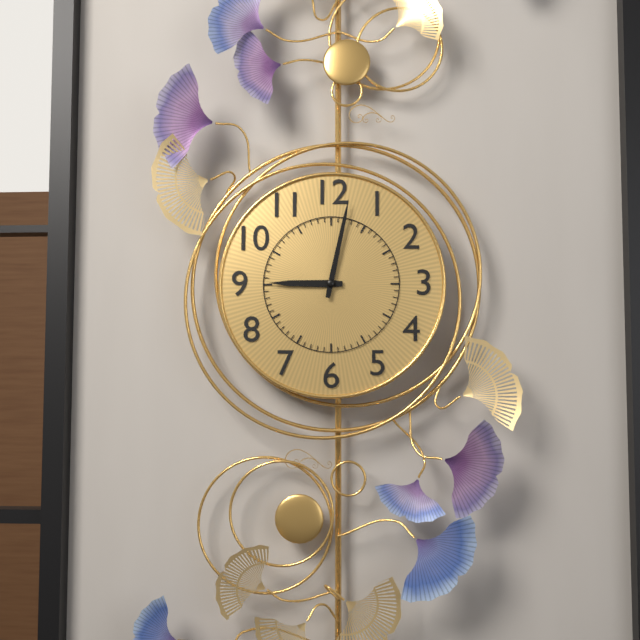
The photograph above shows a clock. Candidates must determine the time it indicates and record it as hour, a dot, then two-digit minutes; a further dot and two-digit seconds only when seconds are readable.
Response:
9.02
